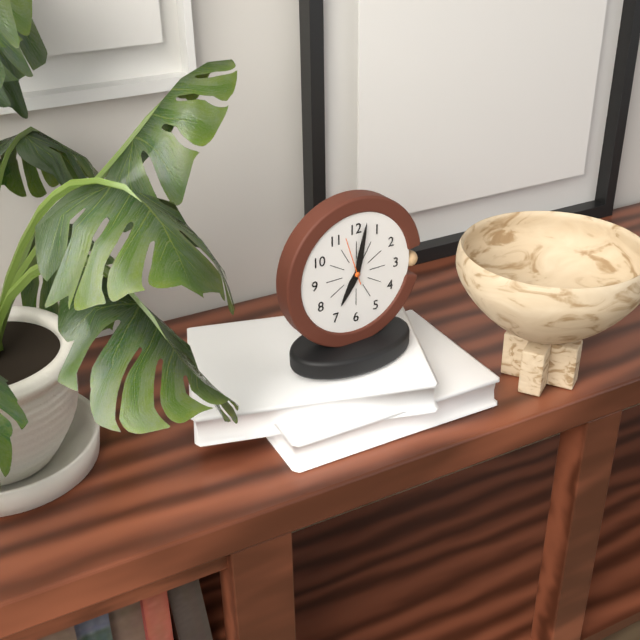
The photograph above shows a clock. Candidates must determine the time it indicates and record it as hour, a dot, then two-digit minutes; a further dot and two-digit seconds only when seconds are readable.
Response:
7.02
